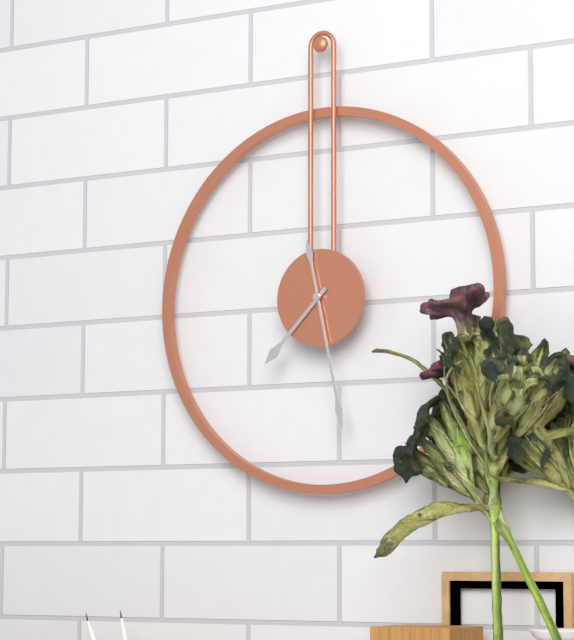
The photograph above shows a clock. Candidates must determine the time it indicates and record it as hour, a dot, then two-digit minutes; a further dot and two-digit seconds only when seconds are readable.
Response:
7.28
